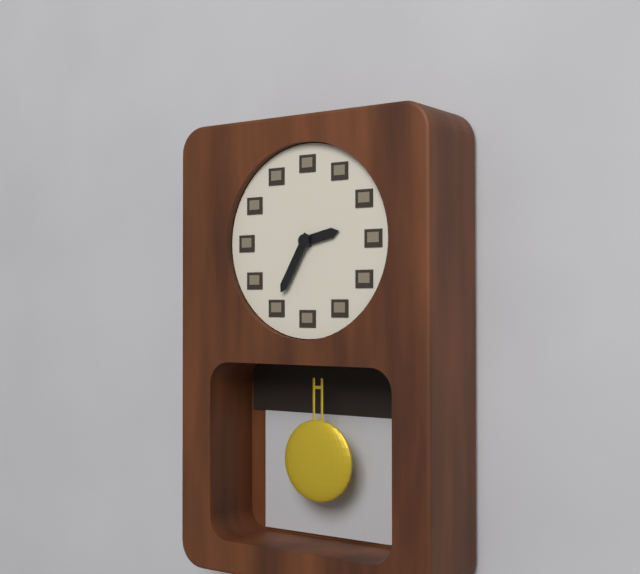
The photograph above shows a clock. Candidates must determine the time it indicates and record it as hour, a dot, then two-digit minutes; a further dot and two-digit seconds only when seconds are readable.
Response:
2.35
